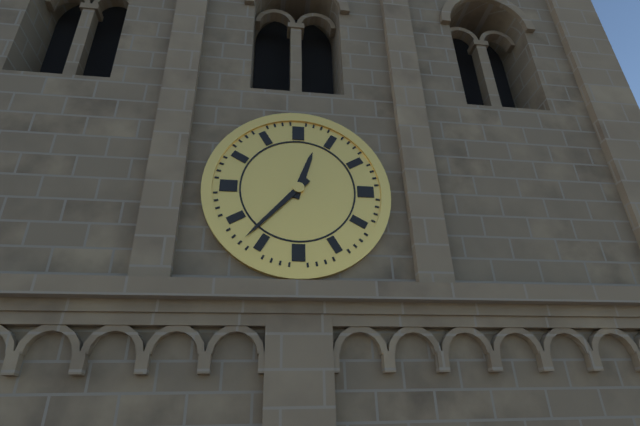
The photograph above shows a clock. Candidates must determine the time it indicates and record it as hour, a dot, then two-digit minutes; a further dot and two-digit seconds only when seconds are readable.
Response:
12.37
